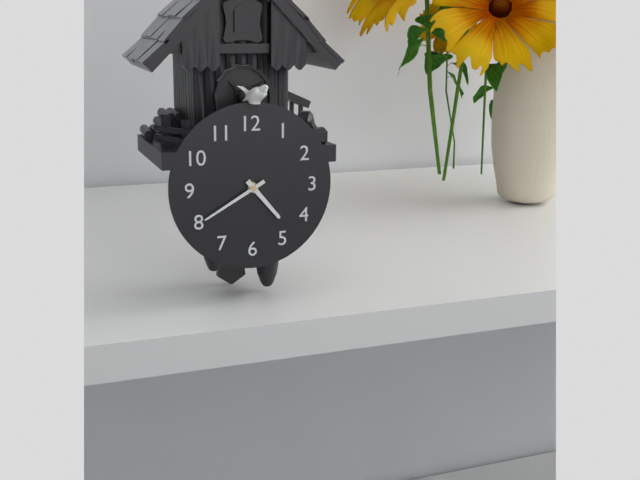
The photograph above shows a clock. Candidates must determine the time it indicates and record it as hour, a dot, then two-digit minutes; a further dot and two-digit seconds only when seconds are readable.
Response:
4.40
